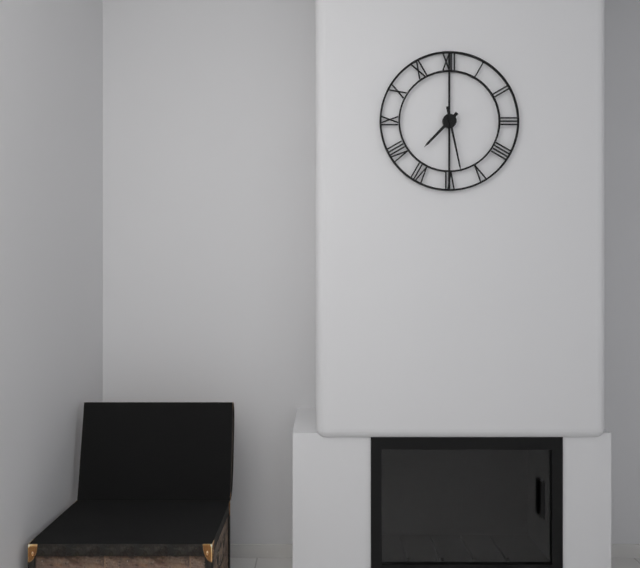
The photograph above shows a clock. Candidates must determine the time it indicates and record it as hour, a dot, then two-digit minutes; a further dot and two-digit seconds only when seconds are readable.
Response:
7.28
